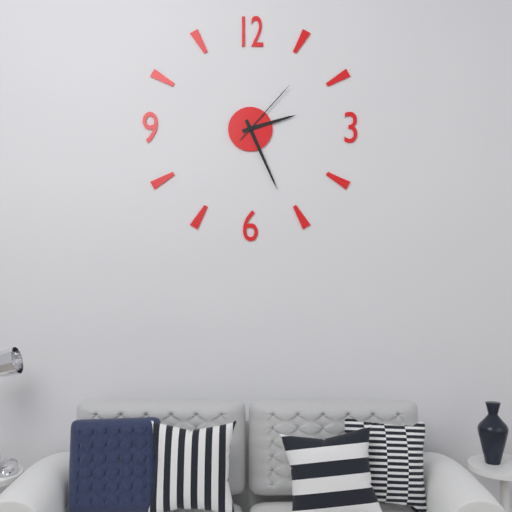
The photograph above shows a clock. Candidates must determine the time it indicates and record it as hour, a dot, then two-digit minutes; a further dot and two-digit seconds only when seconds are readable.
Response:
2.26.07
